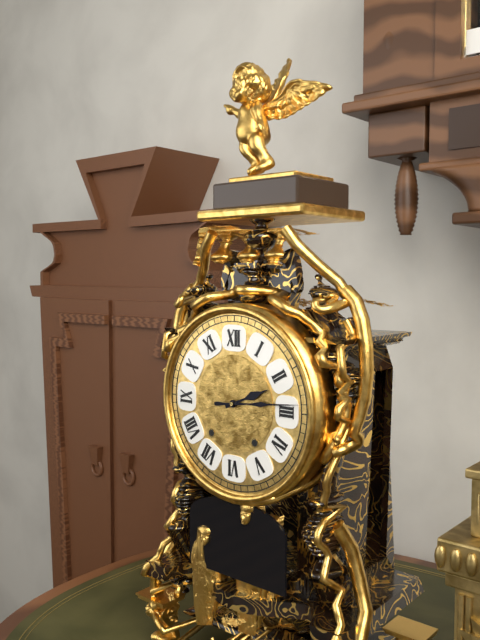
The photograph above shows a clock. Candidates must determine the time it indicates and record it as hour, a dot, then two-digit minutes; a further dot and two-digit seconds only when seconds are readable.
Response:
2.14
